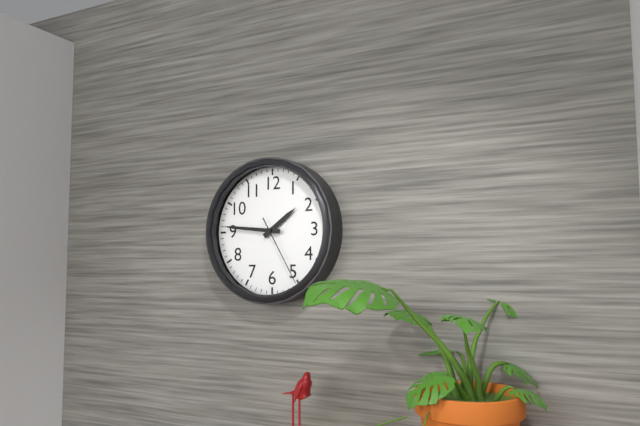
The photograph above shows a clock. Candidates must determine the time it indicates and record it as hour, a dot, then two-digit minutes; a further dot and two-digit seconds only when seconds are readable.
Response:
1.46.25
